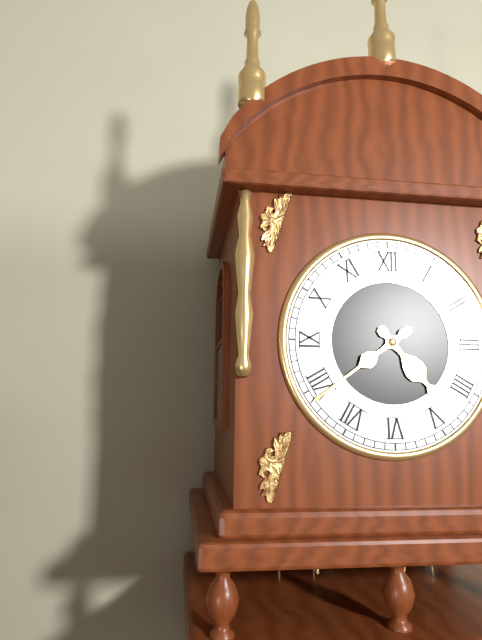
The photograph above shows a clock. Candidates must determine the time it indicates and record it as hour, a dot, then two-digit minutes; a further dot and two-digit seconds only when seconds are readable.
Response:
4.39
